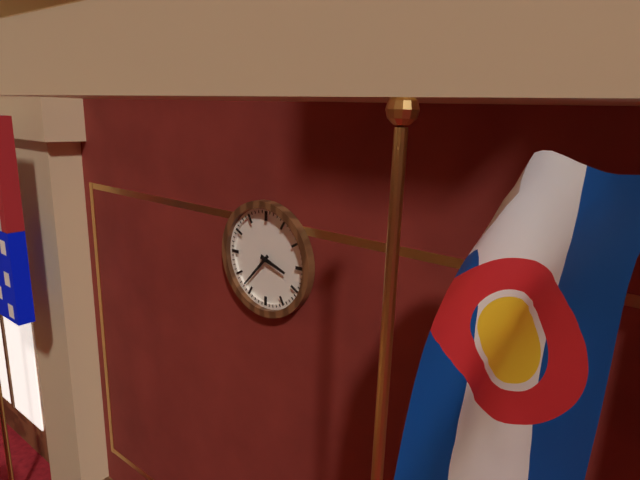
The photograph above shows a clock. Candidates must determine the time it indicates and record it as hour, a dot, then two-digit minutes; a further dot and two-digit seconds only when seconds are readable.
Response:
3.37
